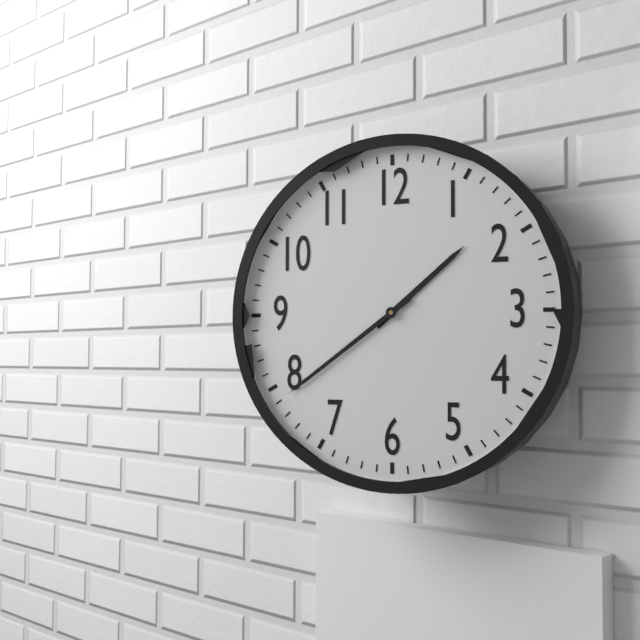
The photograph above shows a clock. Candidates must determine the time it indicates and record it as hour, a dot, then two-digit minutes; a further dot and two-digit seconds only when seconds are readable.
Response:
1.39
